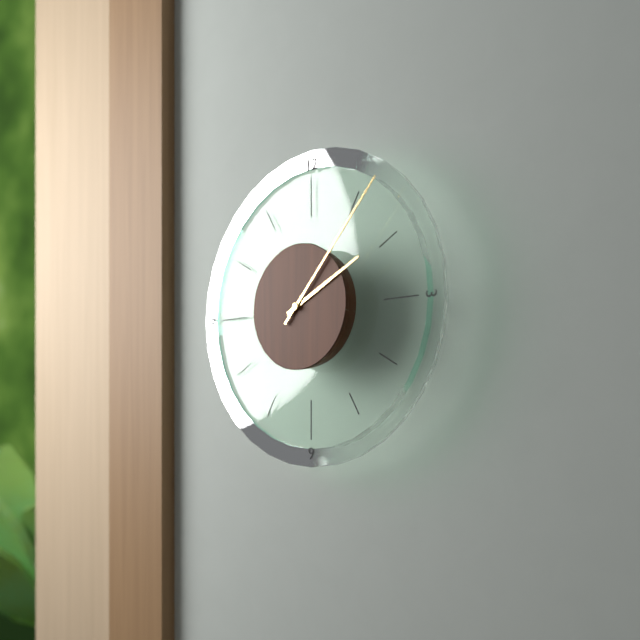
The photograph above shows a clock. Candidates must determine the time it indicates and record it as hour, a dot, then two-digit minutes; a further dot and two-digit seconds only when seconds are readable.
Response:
2.07
